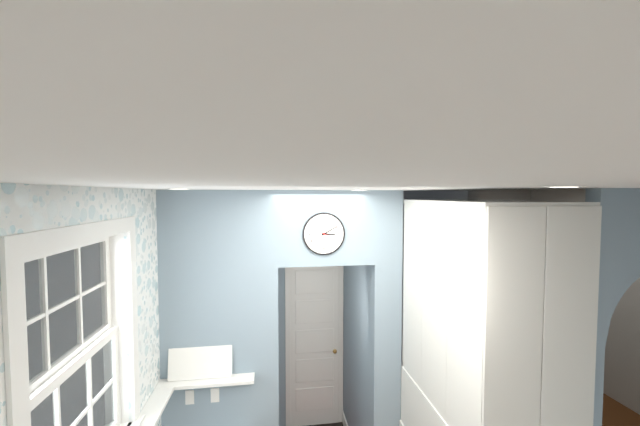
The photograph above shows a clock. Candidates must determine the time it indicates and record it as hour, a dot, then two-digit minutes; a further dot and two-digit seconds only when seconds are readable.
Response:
3.10
